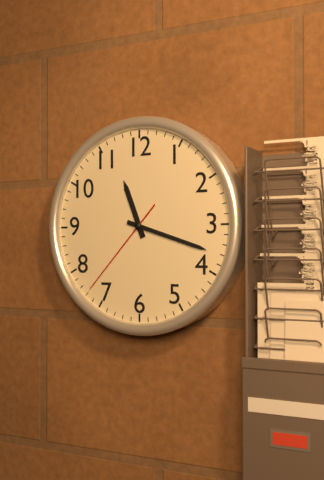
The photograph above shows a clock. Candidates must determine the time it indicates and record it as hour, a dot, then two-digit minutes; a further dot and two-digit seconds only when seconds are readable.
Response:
11.18.37
